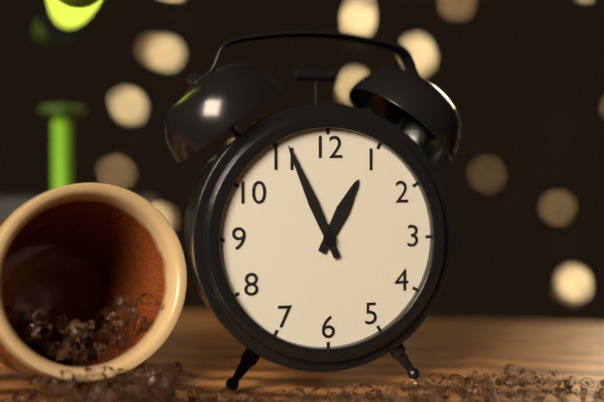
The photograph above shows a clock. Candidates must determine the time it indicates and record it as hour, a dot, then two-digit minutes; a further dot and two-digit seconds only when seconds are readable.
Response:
12.56
